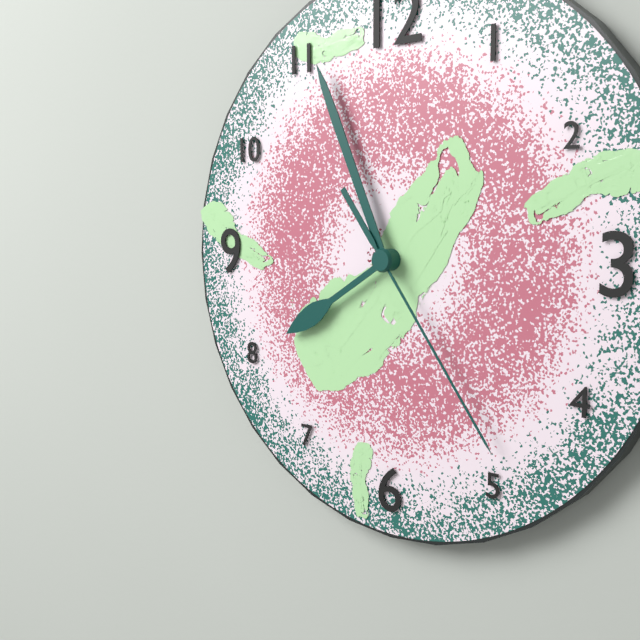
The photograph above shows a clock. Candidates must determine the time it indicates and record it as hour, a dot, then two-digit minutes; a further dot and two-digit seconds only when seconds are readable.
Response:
7.56.24
